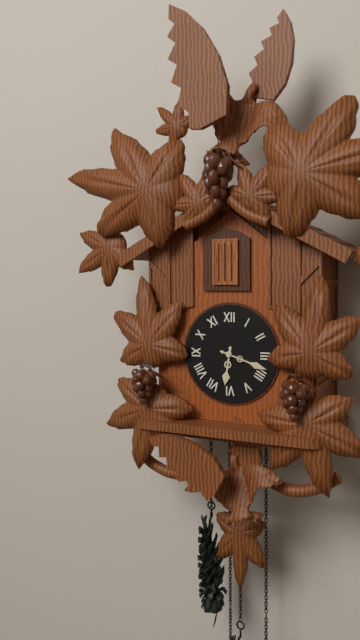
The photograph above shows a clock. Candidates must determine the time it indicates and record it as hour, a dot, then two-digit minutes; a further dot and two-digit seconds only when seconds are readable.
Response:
6.18
